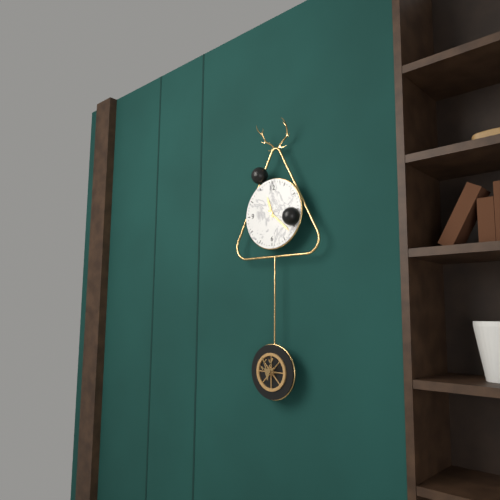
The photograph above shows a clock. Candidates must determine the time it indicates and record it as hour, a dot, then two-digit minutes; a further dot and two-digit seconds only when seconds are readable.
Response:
11.22
